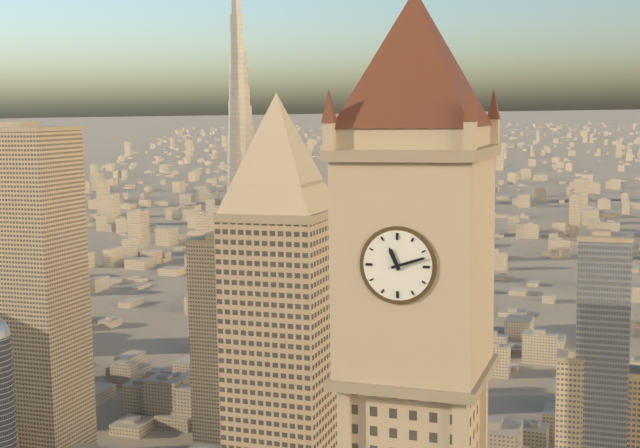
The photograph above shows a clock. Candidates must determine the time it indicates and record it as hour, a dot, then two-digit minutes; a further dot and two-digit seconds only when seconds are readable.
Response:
11.12
